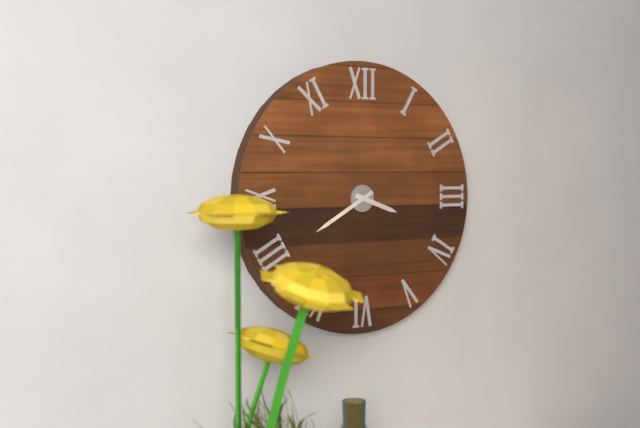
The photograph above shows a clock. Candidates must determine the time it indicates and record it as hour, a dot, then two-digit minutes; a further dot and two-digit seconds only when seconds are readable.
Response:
3.40
